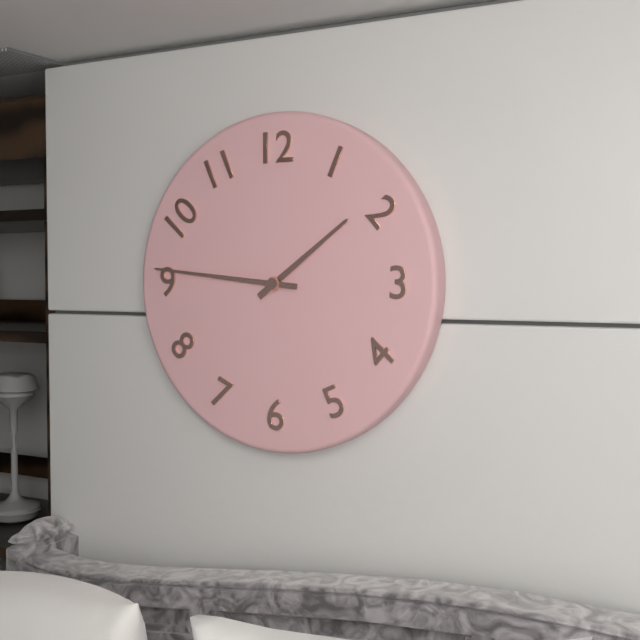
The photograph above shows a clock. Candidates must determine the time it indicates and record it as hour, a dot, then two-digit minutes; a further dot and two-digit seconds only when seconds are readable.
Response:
1.46
